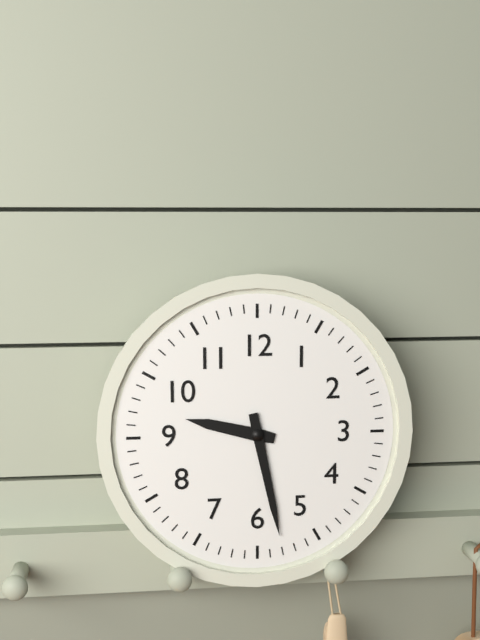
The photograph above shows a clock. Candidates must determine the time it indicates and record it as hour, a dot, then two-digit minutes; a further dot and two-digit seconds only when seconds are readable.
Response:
9.28
